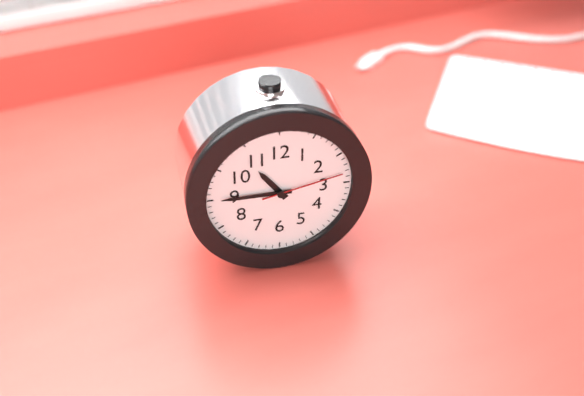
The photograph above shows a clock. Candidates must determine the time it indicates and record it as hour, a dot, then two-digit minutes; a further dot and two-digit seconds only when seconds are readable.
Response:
10.45.13
